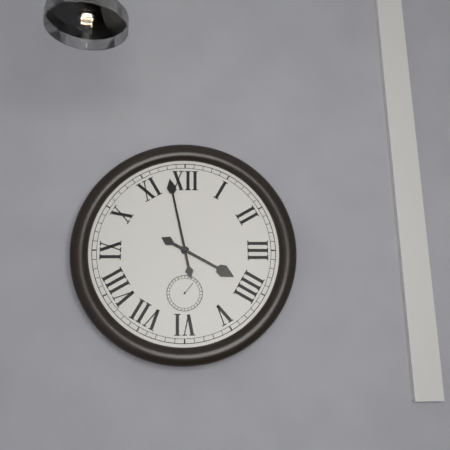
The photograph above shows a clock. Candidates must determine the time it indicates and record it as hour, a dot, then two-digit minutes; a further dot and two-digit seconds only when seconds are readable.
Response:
3.58
